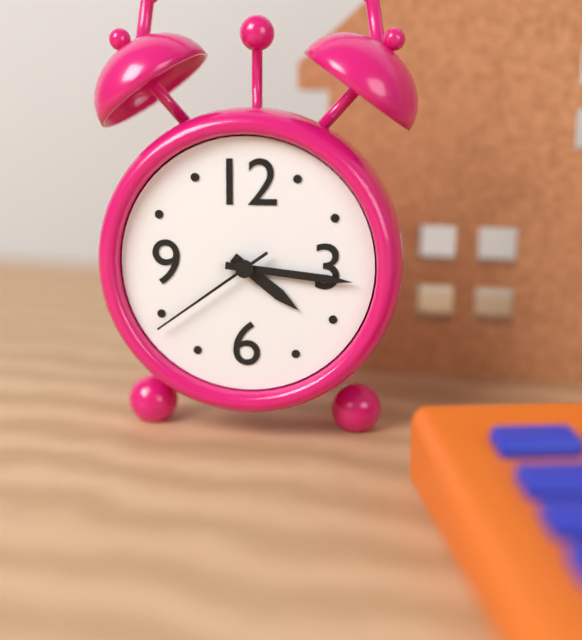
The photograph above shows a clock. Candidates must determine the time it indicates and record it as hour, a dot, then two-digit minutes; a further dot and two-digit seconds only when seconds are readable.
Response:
4.16.39
